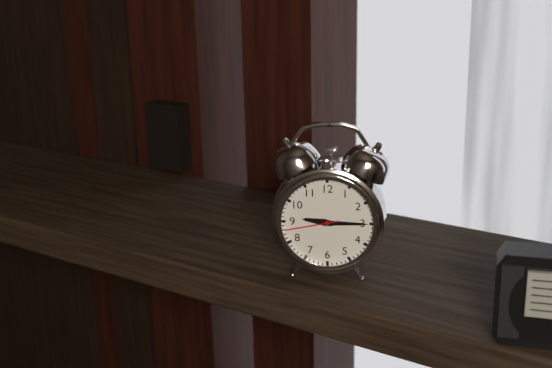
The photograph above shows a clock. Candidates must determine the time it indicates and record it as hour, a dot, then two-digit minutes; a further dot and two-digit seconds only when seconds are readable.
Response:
9.15.43
